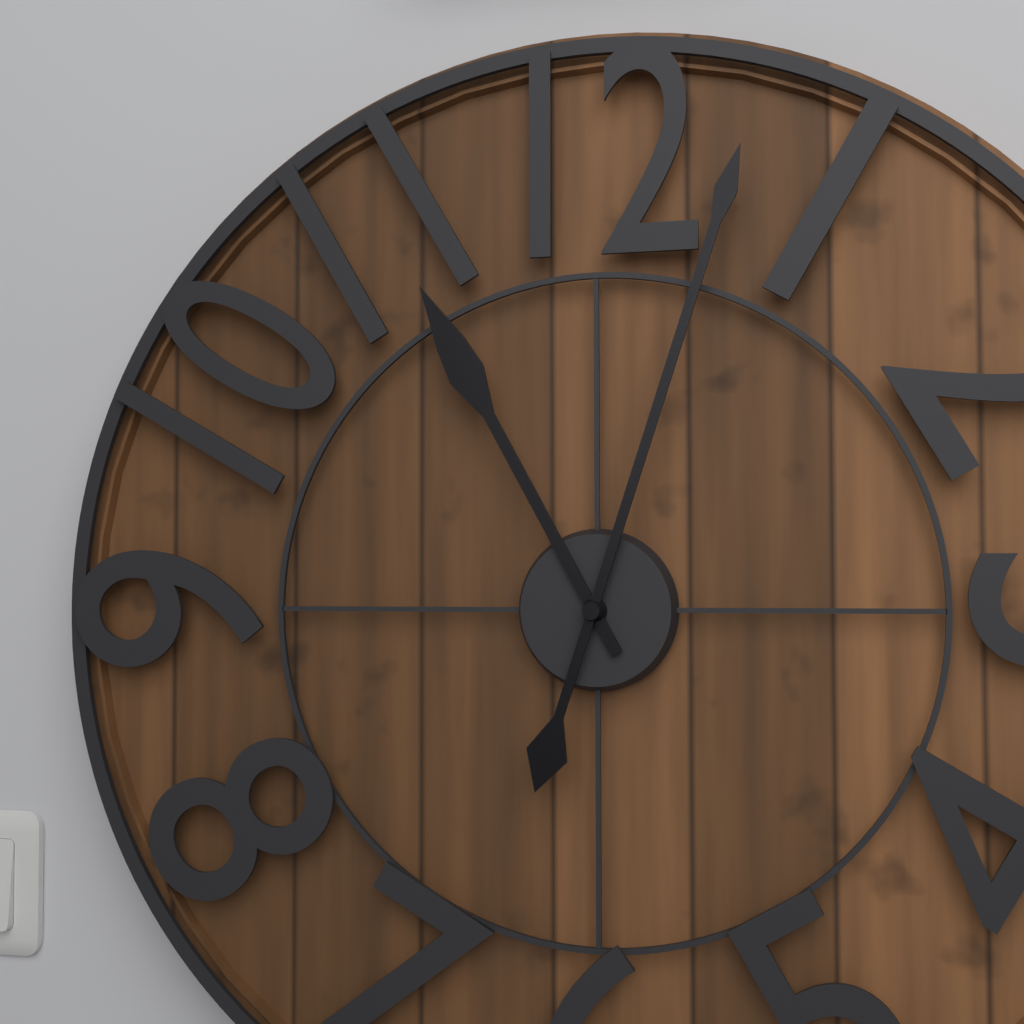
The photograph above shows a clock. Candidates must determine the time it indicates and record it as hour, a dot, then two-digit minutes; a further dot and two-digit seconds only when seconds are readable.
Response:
11.03
